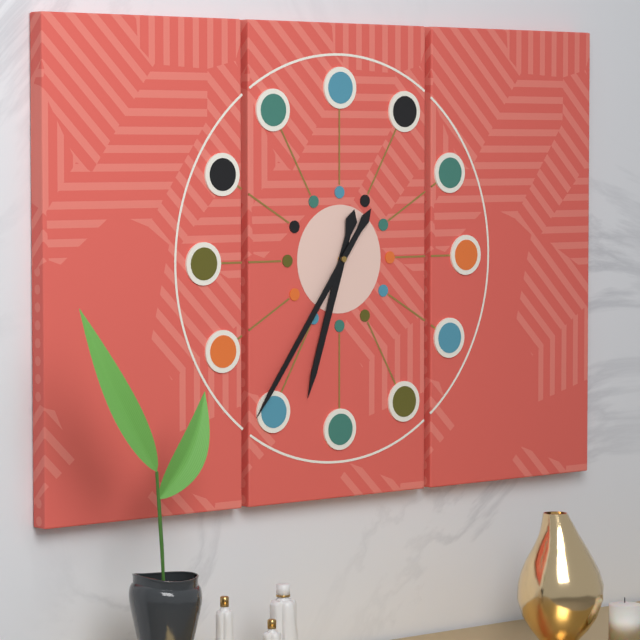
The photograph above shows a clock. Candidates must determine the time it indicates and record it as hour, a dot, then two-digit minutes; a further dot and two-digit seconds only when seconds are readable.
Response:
6.36
